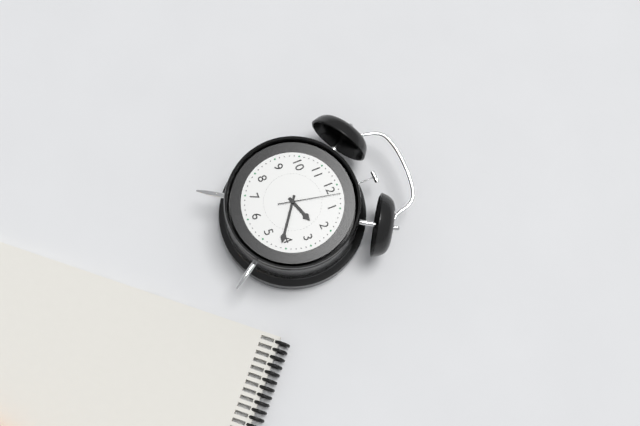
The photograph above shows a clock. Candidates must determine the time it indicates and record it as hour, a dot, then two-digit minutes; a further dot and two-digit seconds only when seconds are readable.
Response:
2.21.02
